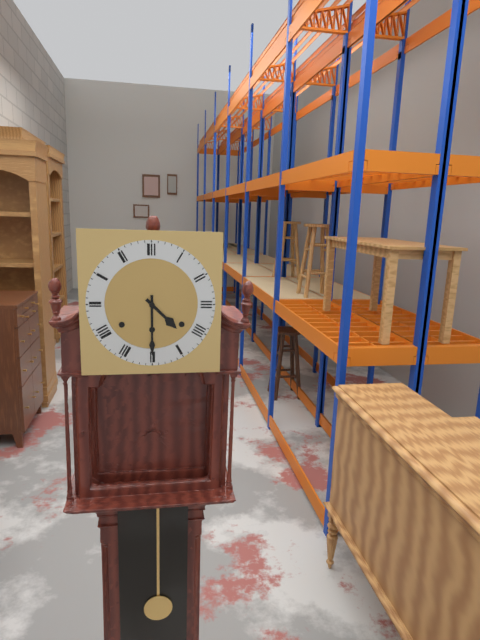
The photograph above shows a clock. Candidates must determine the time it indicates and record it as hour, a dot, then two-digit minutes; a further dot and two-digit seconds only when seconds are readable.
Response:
4.30
